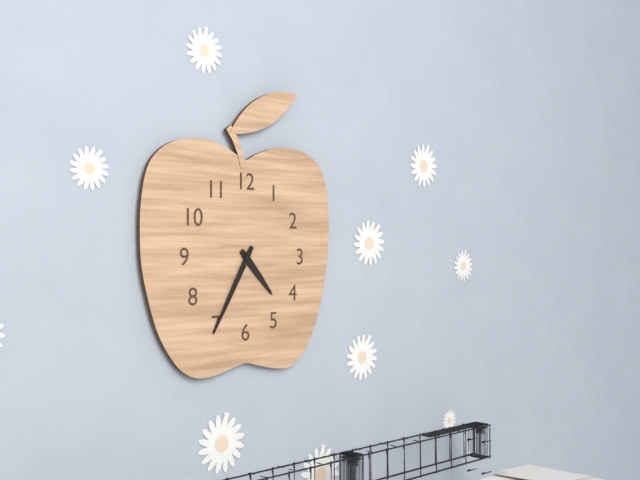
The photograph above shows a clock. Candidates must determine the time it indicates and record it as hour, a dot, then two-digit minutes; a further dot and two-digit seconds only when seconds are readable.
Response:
4.35
